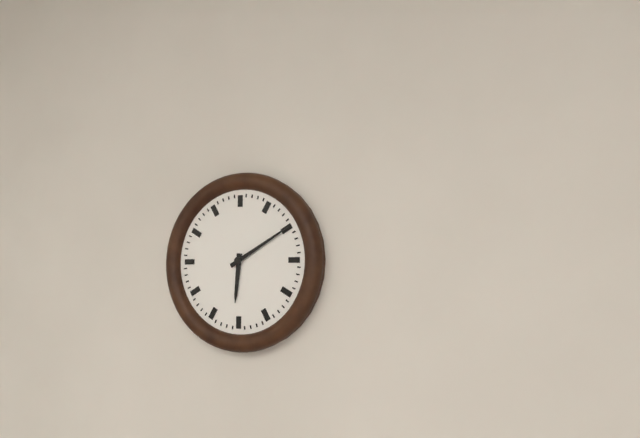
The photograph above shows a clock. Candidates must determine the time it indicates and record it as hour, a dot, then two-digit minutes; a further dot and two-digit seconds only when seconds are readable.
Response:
6.10
